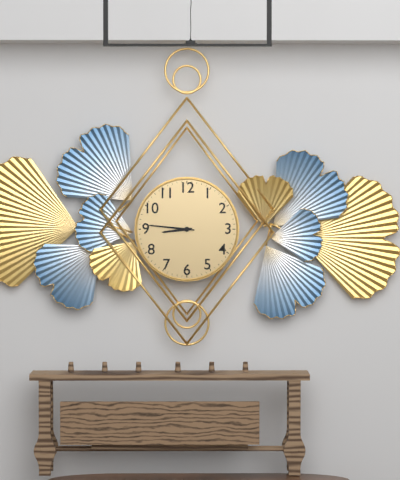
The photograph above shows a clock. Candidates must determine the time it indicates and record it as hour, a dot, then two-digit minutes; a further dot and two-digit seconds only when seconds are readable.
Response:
8.46
